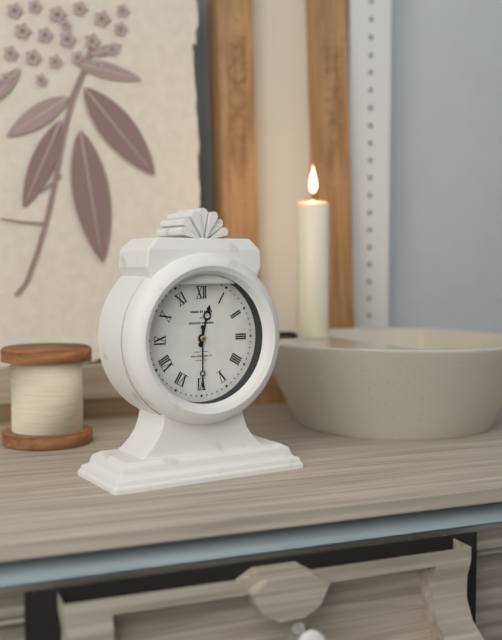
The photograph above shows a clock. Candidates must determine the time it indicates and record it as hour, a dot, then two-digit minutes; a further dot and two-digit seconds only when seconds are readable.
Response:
12.30
